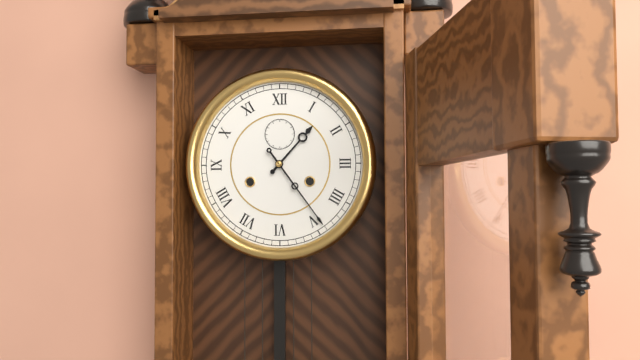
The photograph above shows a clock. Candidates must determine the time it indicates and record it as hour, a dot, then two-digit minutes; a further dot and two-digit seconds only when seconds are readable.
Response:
1.24
